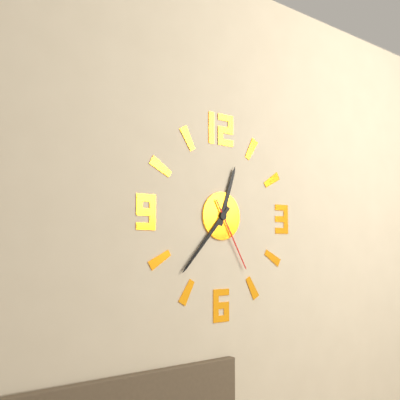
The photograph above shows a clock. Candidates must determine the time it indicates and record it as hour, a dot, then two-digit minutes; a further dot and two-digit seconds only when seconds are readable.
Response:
12.37.25
